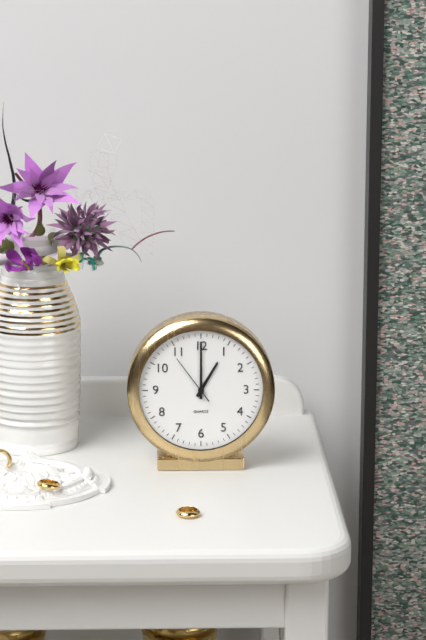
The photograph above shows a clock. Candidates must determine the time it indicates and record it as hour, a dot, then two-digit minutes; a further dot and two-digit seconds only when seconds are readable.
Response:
1.00.54
